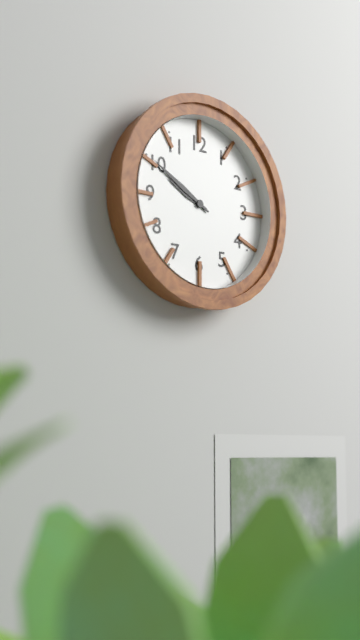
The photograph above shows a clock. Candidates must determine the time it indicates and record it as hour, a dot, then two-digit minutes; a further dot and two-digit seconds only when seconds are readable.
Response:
9.50
